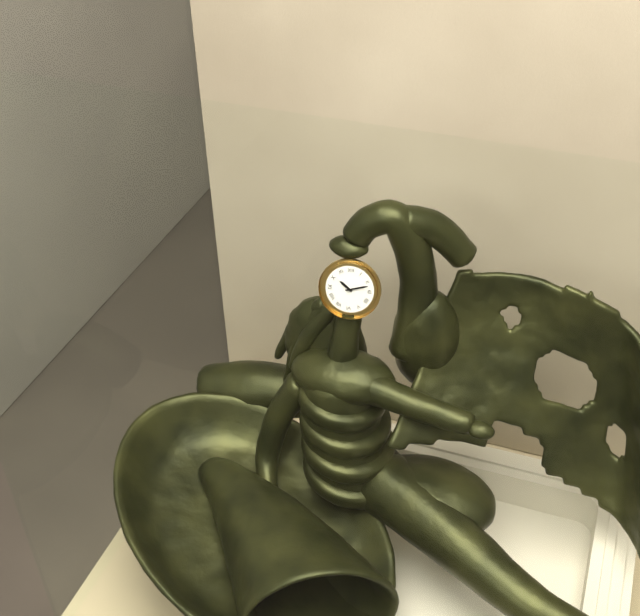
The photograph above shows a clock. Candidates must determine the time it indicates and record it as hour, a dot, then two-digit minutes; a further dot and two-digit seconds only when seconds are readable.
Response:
10.12
